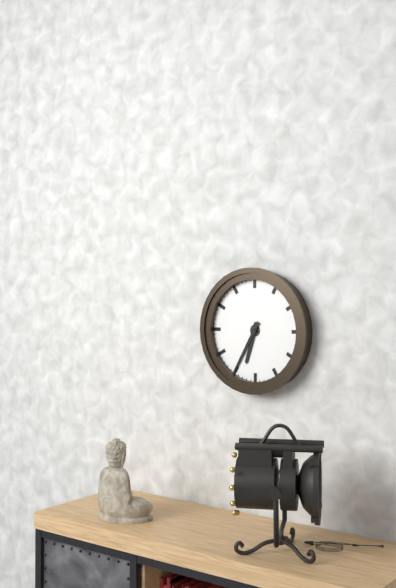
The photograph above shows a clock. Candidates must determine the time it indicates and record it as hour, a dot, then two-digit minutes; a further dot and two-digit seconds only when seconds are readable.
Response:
6.35
